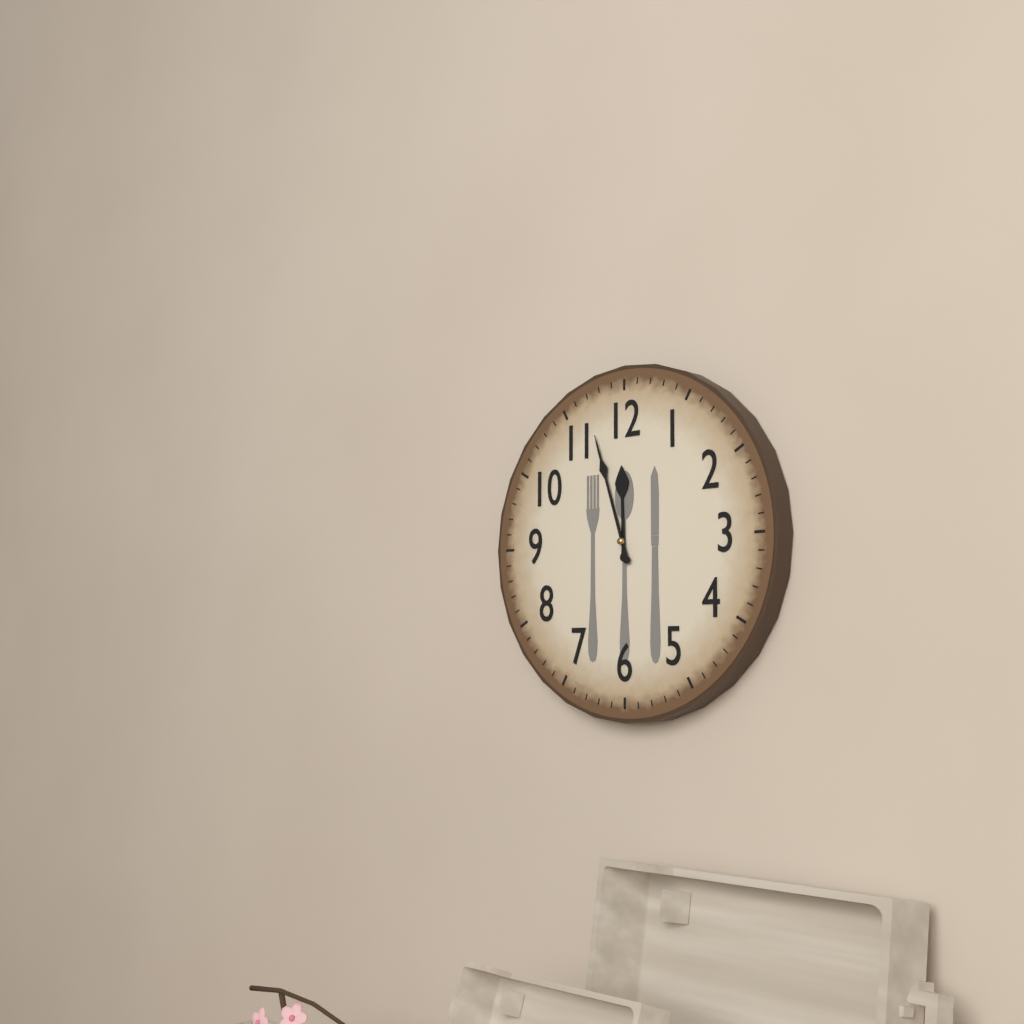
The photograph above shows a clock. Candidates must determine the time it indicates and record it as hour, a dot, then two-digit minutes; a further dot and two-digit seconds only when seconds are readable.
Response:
11.57
